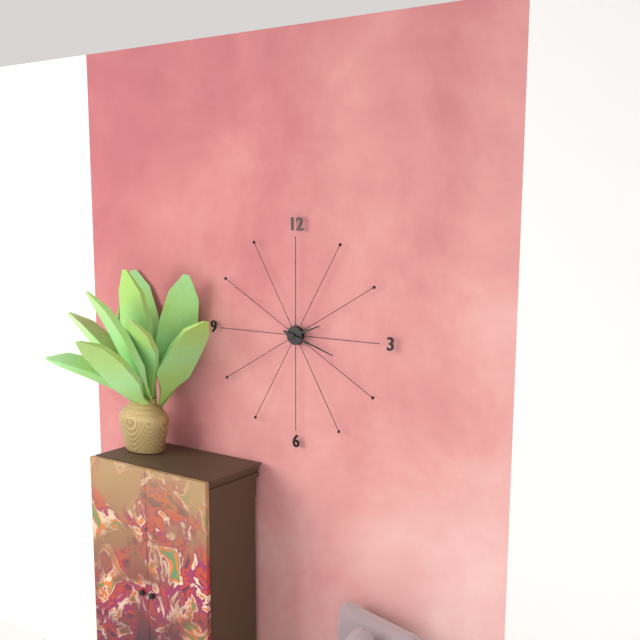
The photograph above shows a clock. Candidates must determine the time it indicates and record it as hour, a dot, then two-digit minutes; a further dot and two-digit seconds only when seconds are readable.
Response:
2.18
